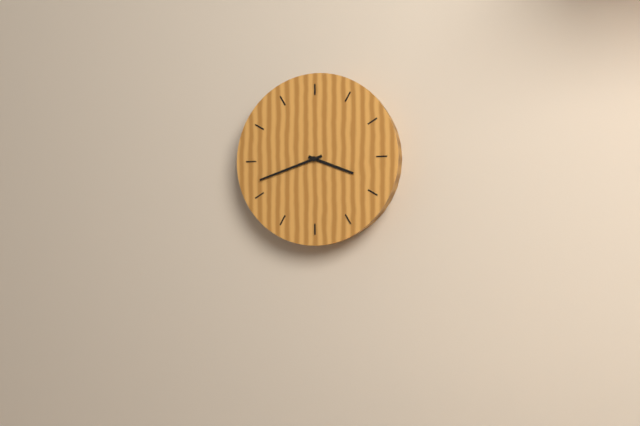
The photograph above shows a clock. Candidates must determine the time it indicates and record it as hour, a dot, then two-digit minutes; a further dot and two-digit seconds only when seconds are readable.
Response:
3.42
